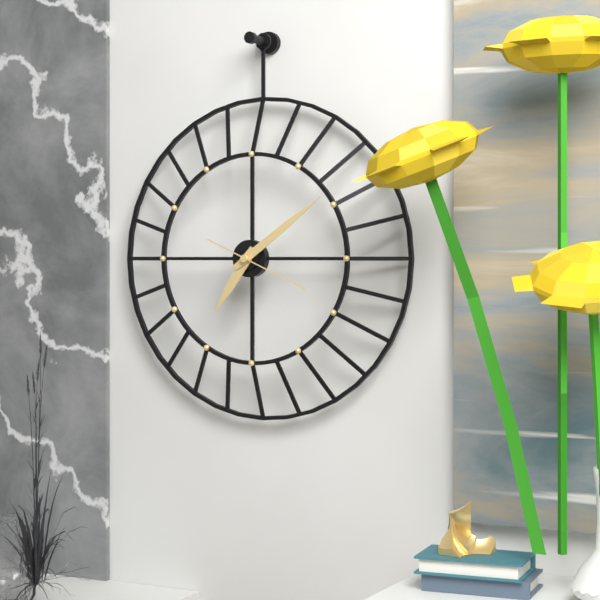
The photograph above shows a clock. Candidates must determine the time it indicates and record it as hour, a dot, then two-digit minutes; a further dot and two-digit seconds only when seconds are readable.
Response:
7.09.19
